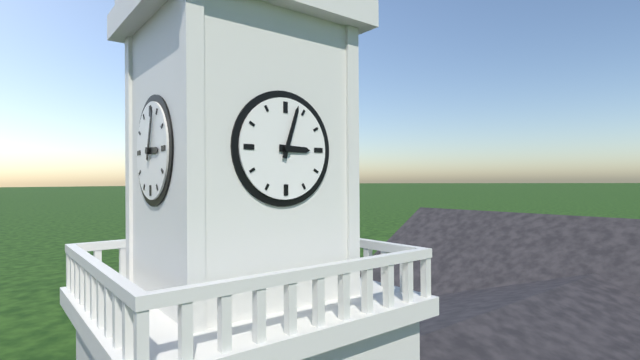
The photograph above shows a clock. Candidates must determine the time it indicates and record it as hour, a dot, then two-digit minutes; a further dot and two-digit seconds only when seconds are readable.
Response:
3.03
